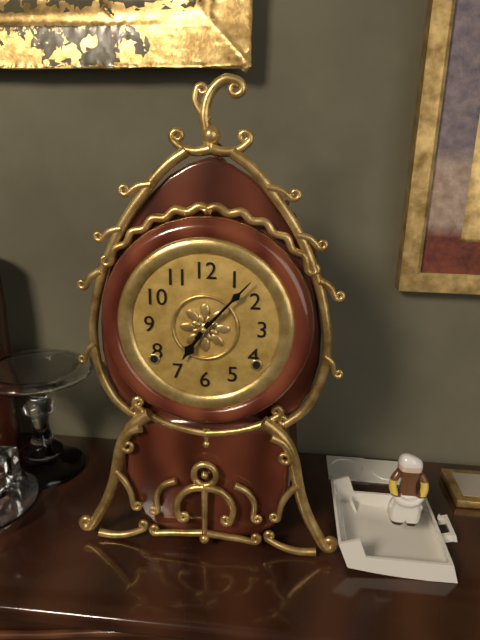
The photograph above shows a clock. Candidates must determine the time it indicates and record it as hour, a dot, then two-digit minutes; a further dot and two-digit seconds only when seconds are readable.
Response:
7.07
